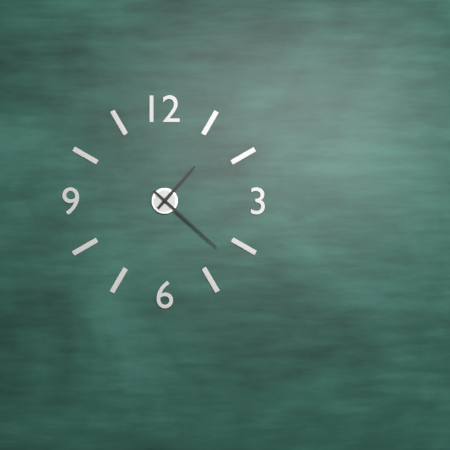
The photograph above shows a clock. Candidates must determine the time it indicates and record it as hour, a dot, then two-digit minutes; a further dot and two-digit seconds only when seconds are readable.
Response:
1.22
